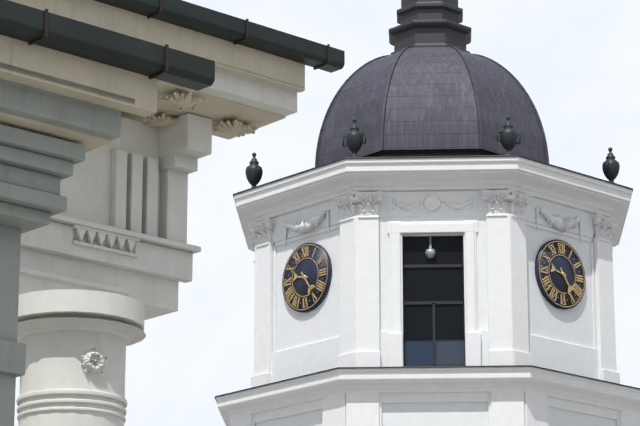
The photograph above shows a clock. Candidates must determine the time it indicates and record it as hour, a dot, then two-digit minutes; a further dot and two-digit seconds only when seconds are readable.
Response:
9.24
